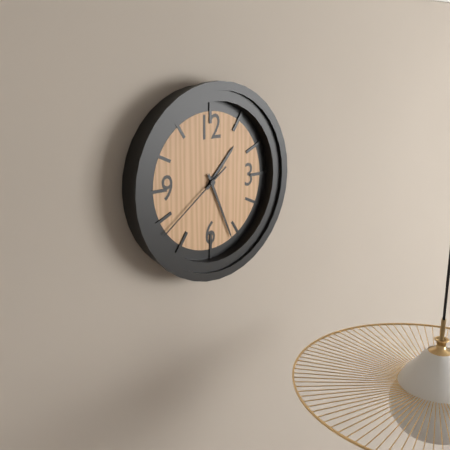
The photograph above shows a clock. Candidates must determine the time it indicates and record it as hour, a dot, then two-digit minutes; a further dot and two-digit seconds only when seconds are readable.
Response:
1.26.39
